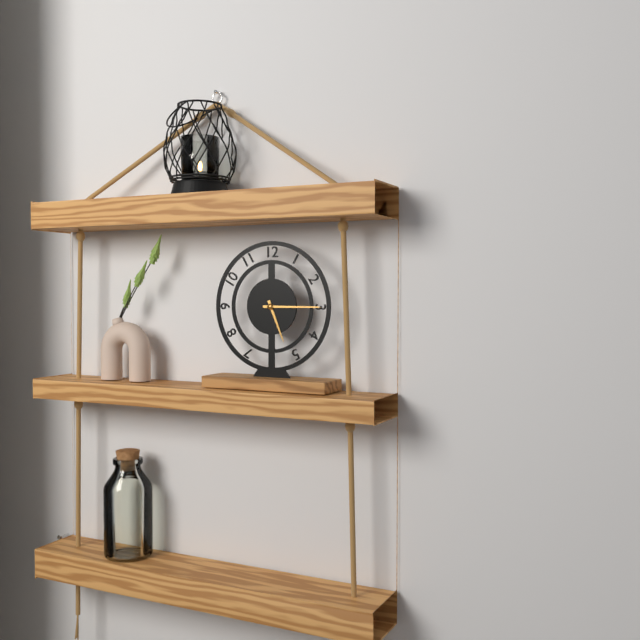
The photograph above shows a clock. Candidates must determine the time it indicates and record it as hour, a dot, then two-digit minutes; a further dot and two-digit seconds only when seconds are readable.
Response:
5.15
